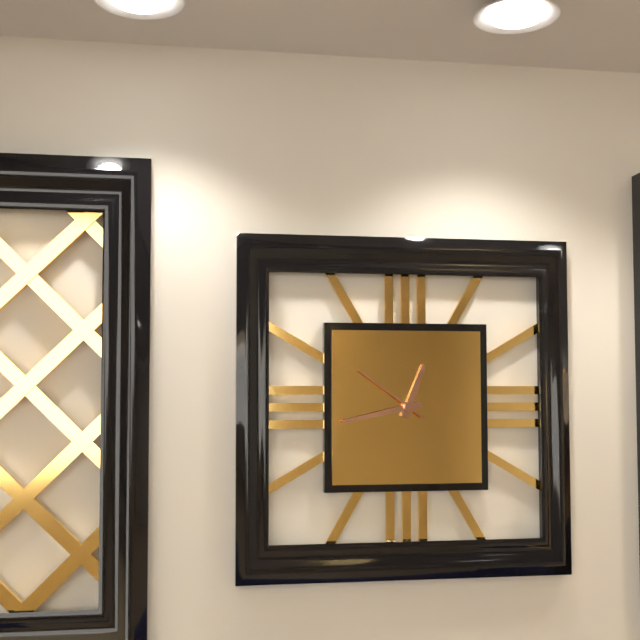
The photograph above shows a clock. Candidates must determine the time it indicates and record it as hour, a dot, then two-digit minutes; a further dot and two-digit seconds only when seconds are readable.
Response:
12.43.51
